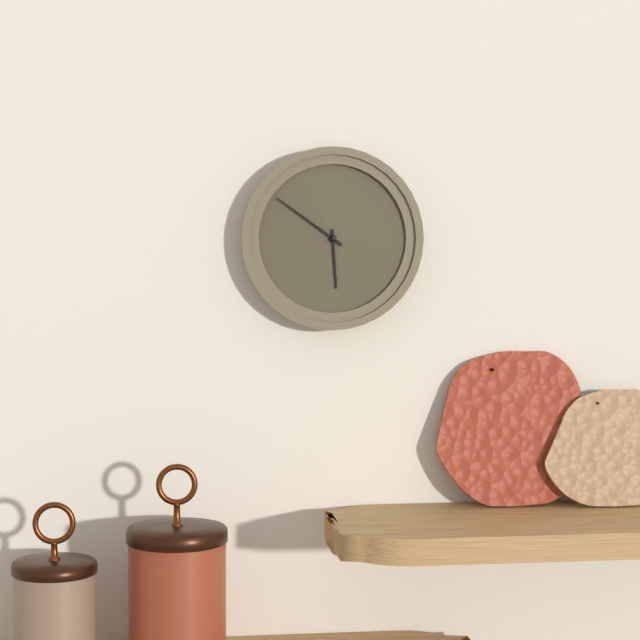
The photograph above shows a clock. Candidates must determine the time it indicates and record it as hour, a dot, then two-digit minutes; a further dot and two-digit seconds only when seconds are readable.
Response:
5.51
